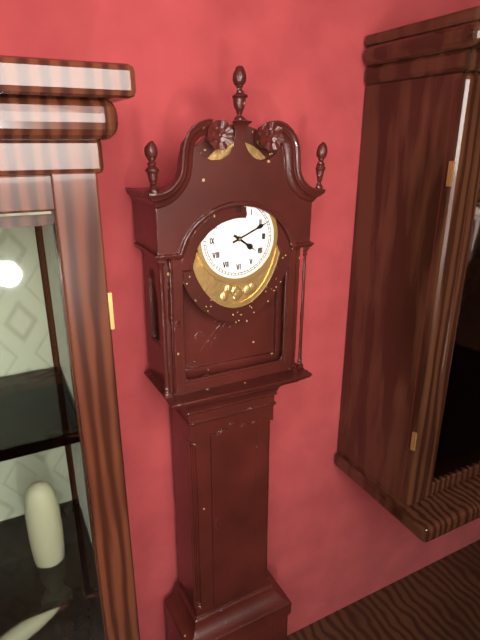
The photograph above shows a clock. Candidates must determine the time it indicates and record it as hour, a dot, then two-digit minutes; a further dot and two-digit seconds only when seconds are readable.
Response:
4.11
